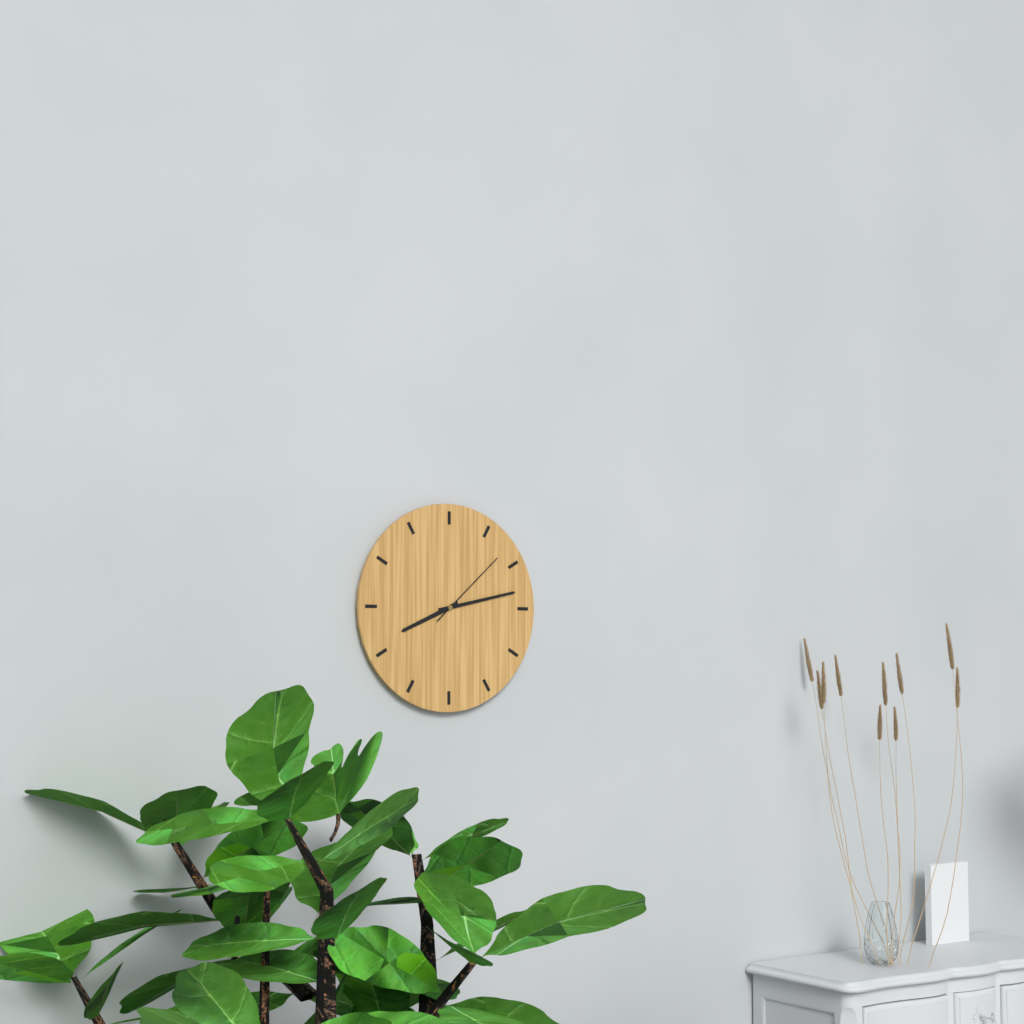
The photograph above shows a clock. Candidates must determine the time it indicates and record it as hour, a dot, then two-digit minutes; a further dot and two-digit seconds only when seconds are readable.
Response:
8.13.08
